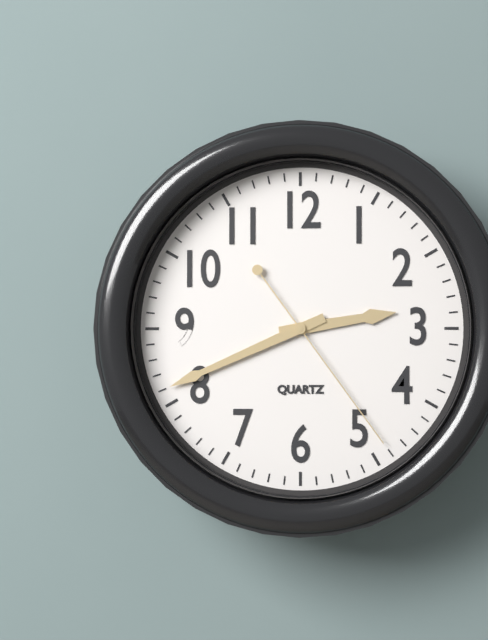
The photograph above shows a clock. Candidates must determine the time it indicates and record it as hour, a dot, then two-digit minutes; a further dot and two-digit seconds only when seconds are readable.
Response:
2.41.24
